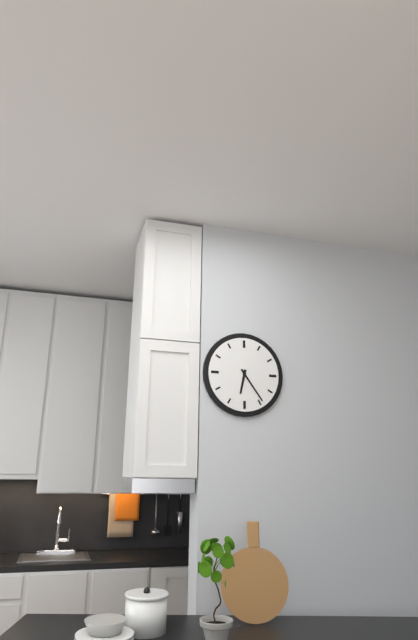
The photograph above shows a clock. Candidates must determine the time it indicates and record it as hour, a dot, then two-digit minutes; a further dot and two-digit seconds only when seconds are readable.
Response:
6.24
